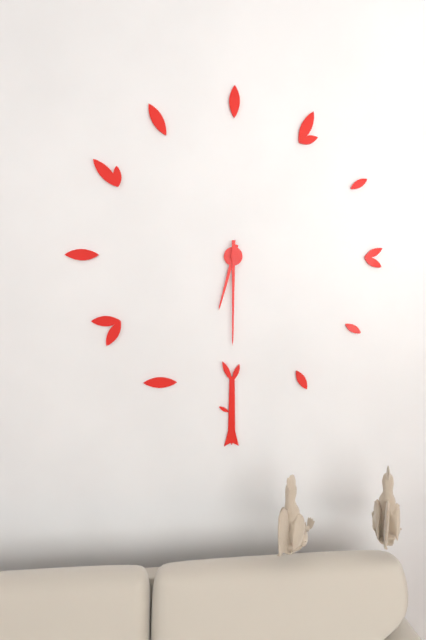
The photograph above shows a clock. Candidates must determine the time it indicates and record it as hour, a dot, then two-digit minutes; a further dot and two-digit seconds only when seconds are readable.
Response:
6.30
